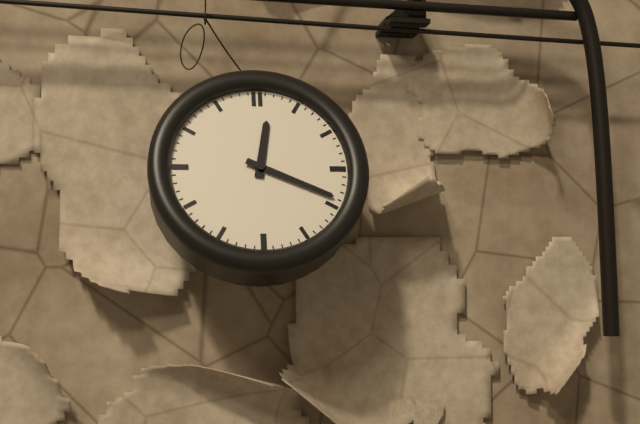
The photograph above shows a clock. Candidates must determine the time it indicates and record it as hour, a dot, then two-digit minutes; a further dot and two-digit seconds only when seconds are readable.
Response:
12.19
